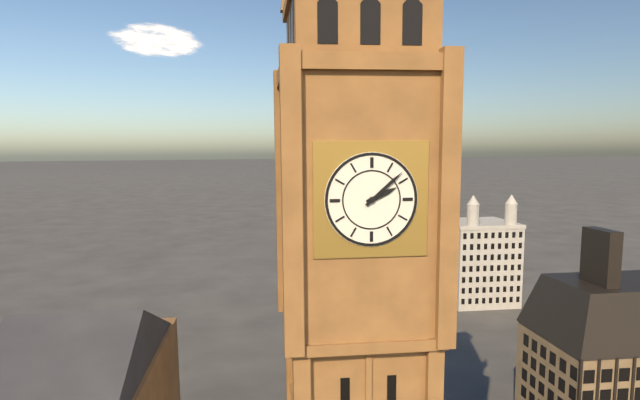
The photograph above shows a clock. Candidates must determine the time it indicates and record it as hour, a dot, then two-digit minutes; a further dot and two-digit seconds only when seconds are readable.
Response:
2.08
